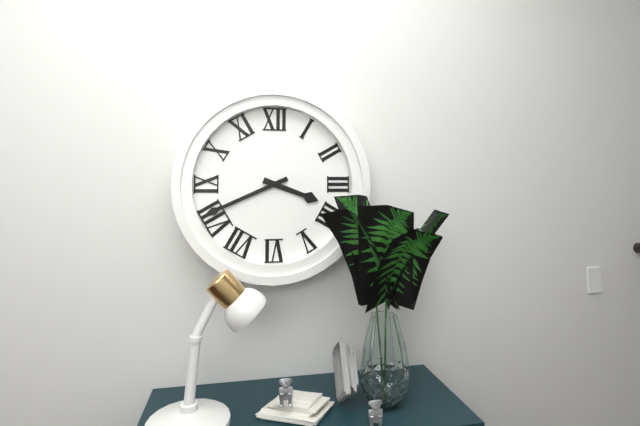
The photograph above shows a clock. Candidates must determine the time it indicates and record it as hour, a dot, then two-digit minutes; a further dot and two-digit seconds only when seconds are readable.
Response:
3.41
